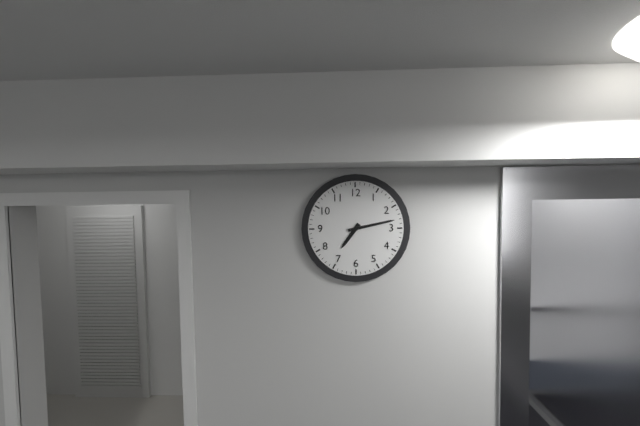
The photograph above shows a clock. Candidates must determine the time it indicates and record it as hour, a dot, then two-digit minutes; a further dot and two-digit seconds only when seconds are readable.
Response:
7.13
